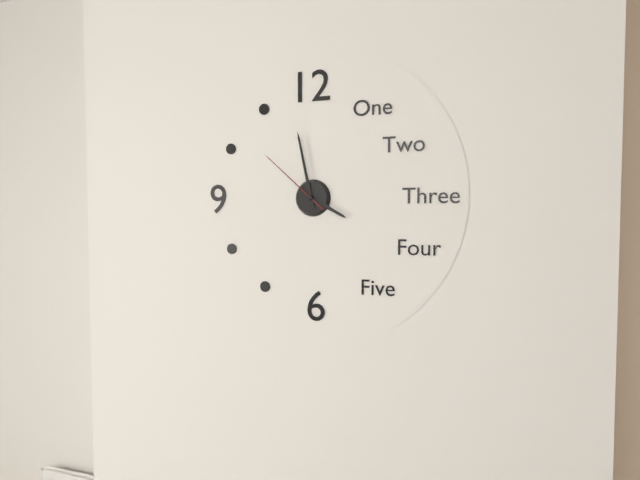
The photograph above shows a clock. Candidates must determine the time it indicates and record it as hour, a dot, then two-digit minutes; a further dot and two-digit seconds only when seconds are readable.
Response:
3.58.52
